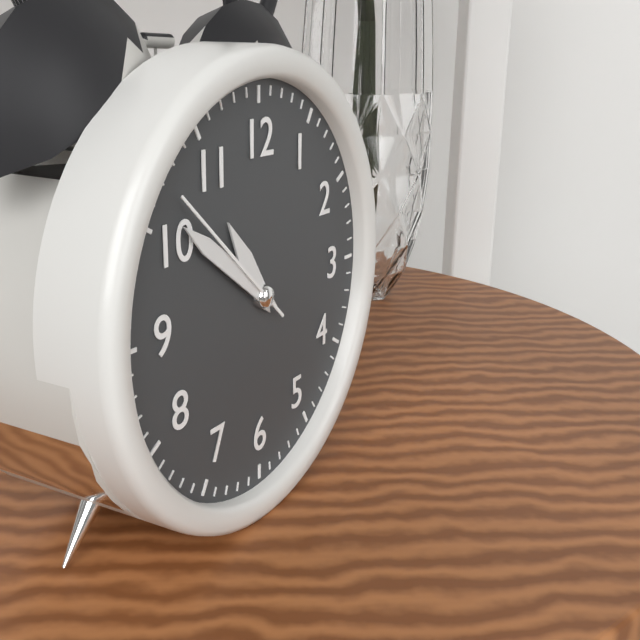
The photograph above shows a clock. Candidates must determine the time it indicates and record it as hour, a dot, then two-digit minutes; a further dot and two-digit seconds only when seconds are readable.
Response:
10.51.52
